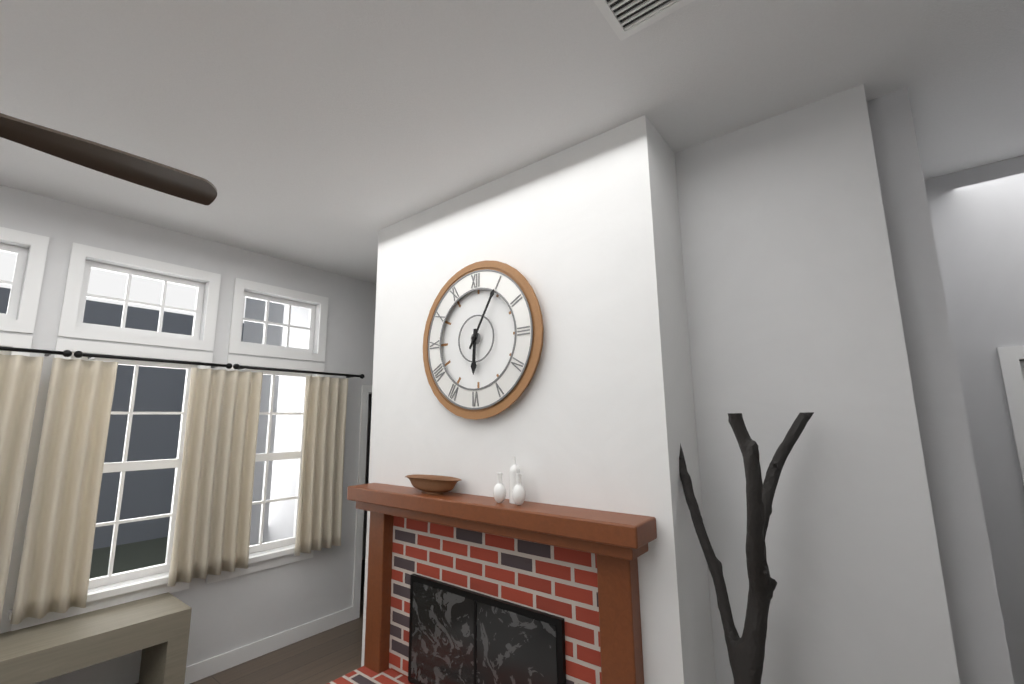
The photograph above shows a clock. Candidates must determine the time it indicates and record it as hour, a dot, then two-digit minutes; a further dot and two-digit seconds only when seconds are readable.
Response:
6.05
